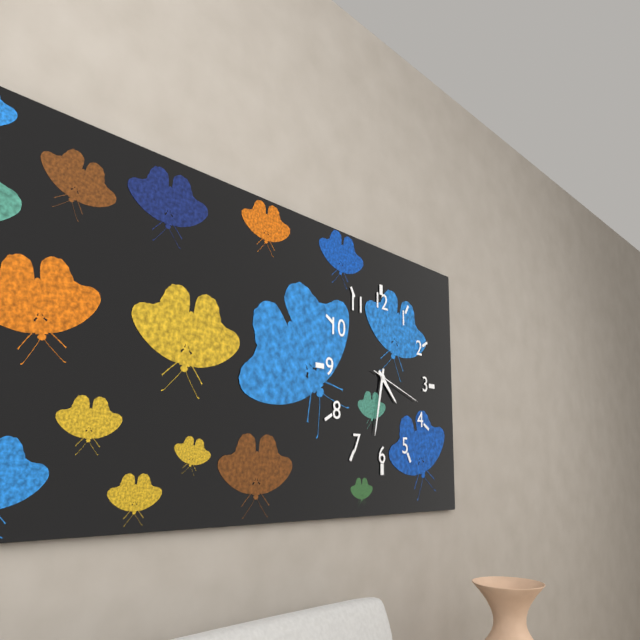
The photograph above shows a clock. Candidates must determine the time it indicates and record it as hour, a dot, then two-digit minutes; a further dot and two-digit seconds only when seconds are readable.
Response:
4.32.18
